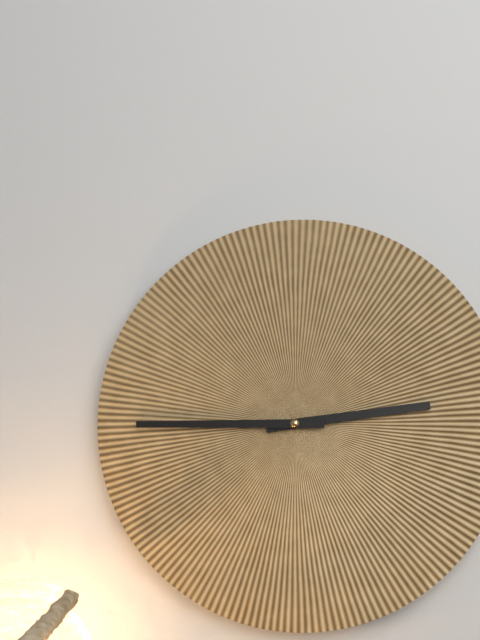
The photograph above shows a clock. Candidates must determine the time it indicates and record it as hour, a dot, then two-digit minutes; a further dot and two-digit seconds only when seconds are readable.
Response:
2.45
